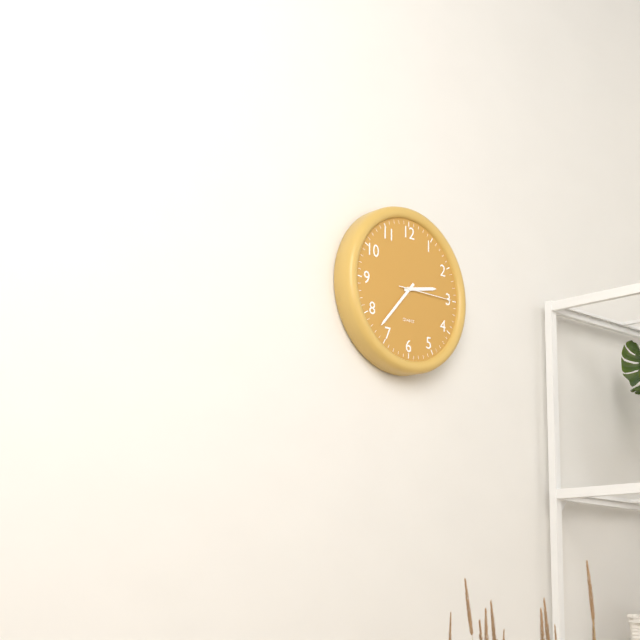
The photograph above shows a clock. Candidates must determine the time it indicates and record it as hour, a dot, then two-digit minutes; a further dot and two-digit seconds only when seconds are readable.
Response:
2.37.15
